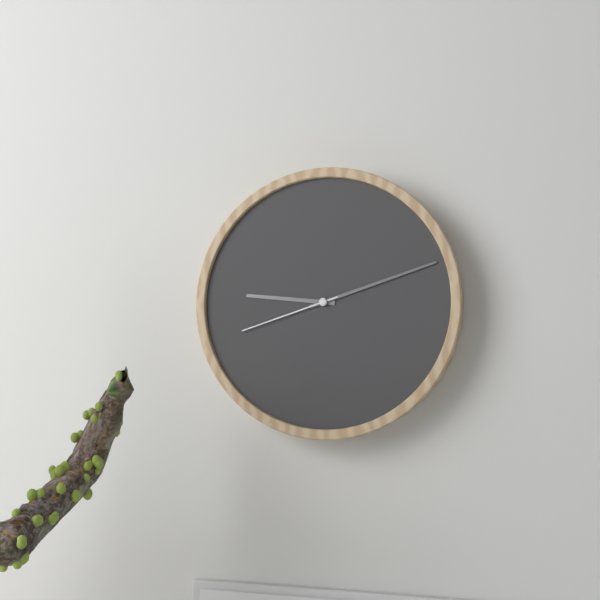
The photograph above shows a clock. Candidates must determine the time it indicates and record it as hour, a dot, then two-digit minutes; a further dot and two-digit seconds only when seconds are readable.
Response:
9.12.42
